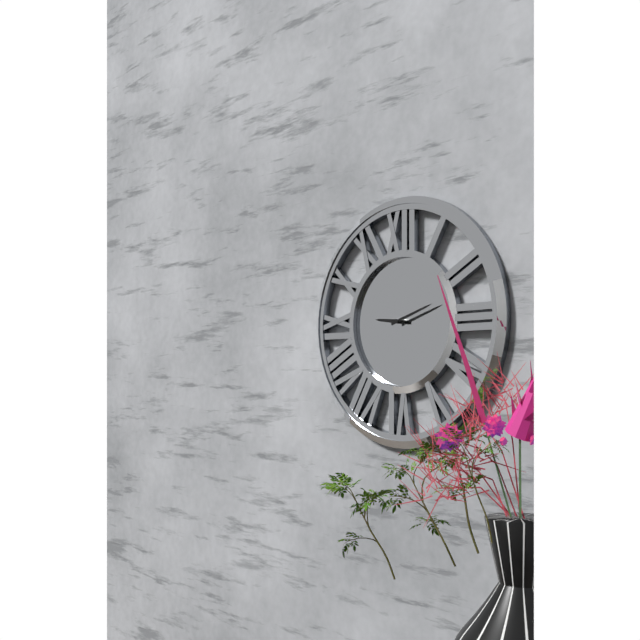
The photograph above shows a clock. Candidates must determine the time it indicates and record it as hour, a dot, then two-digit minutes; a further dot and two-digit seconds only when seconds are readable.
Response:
9.12
